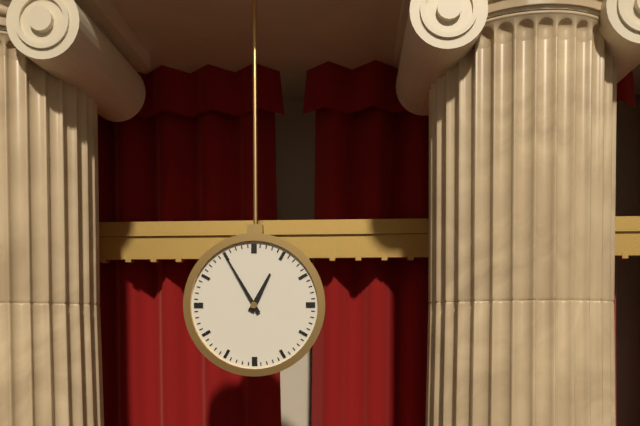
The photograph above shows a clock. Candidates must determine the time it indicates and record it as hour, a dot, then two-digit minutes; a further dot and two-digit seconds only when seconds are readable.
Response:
12.55
